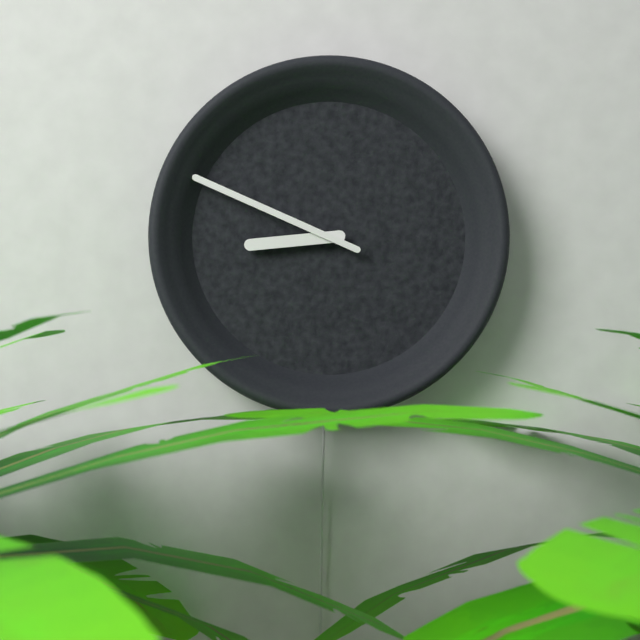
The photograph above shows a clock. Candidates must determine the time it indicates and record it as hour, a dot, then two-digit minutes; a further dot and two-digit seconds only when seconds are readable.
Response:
8.49
